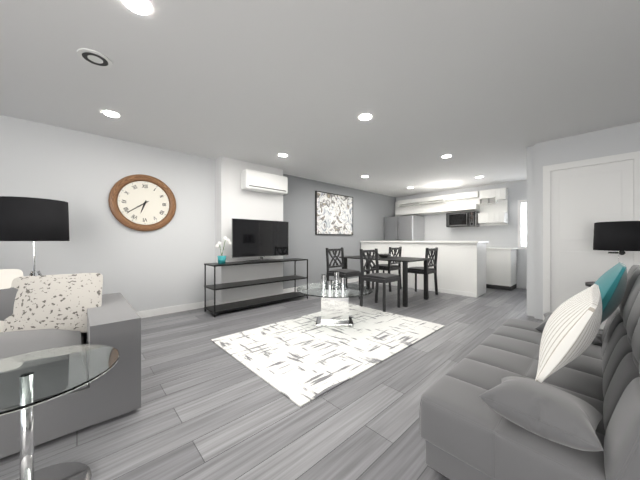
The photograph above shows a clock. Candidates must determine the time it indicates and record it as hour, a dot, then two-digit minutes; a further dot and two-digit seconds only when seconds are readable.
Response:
6.39
